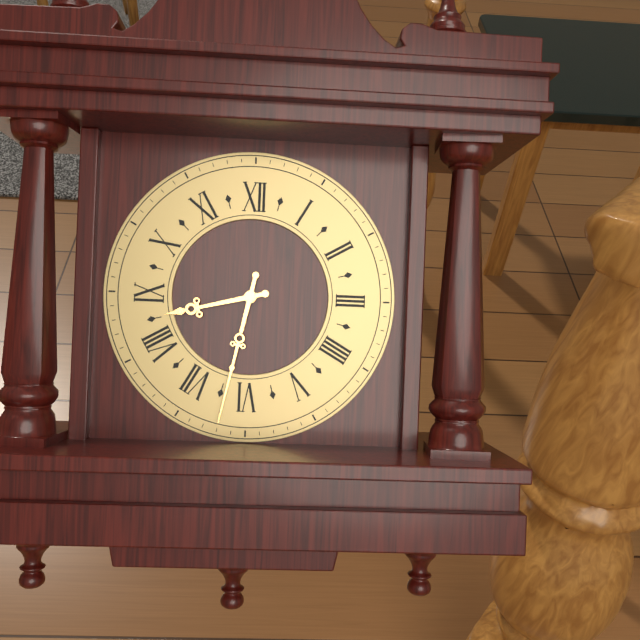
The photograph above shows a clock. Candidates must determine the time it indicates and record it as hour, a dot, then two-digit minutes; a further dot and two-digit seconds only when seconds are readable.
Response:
8.32
